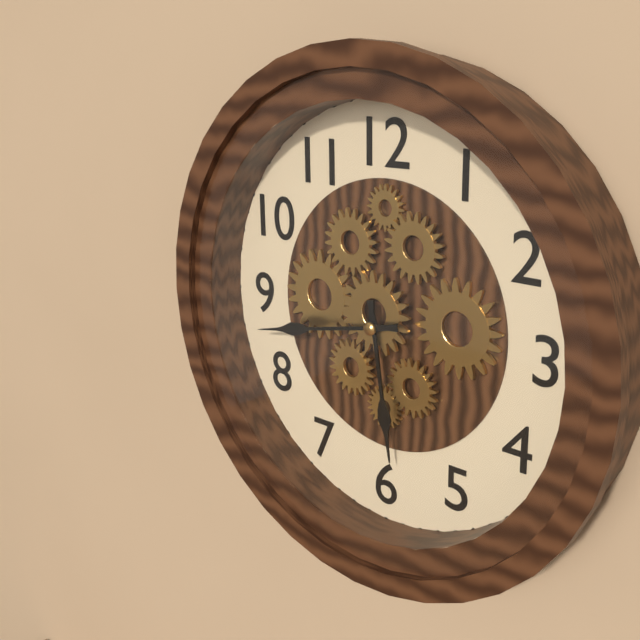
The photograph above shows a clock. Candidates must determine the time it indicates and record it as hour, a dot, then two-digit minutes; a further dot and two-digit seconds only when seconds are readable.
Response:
5.43
